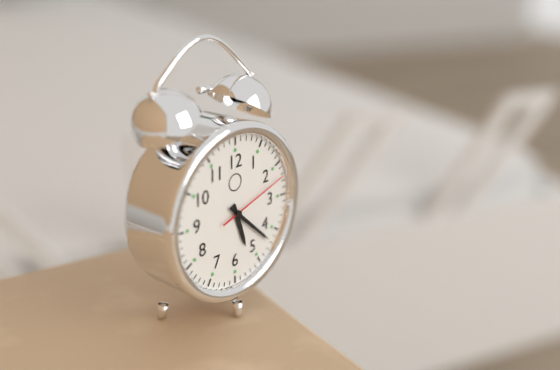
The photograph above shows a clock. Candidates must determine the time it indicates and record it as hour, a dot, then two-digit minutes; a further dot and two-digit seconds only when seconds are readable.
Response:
5.22.12
